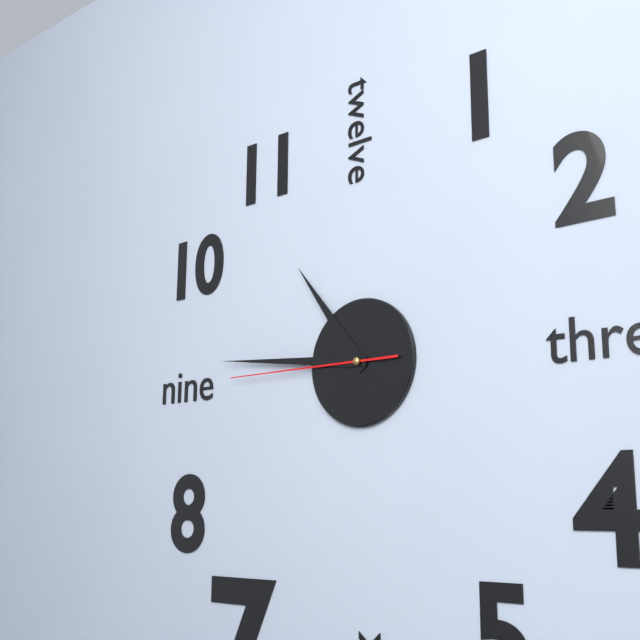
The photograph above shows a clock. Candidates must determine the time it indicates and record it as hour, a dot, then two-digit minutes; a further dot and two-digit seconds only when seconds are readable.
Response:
10.46.45
